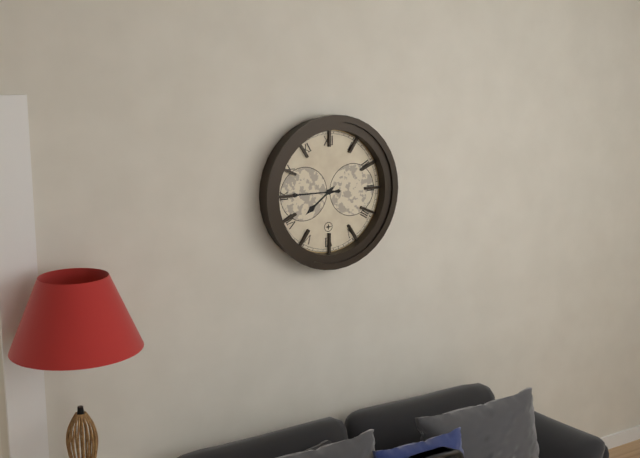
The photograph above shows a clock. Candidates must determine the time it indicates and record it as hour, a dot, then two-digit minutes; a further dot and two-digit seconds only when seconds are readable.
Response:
7.45
